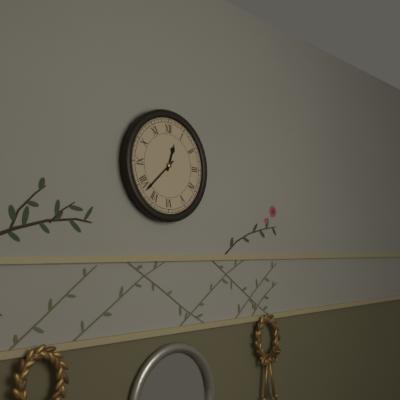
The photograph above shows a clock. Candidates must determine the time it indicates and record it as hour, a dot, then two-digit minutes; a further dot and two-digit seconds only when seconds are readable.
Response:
12.38
